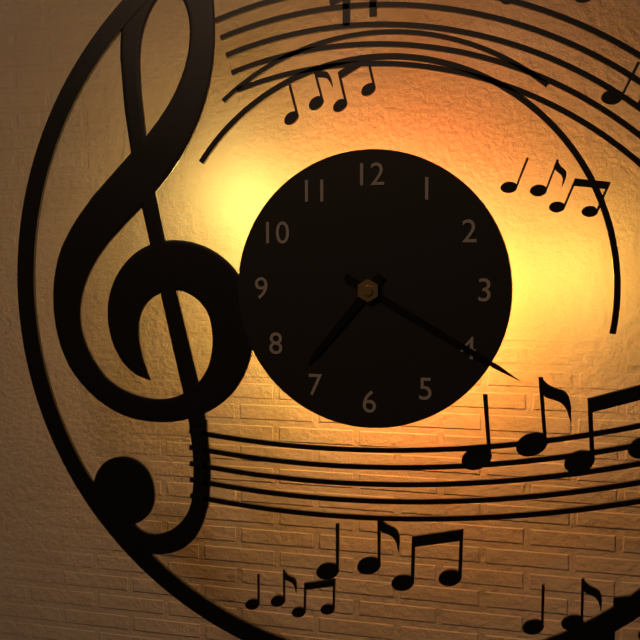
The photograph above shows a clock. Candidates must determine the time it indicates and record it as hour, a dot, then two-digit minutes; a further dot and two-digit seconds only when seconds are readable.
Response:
7.20
